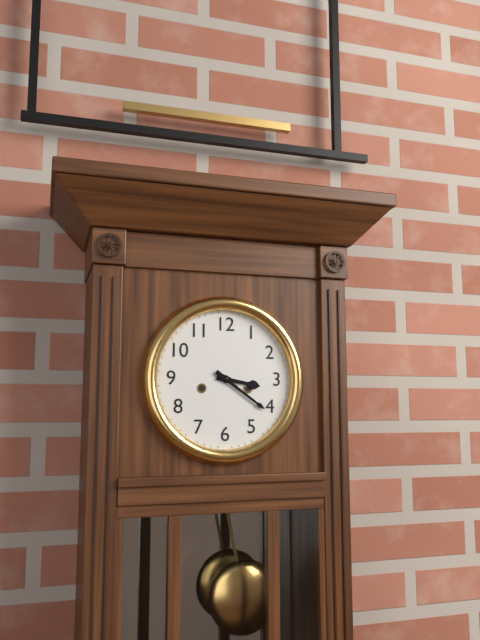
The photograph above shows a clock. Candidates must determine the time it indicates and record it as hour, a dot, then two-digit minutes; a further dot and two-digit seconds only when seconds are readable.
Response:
3.21
